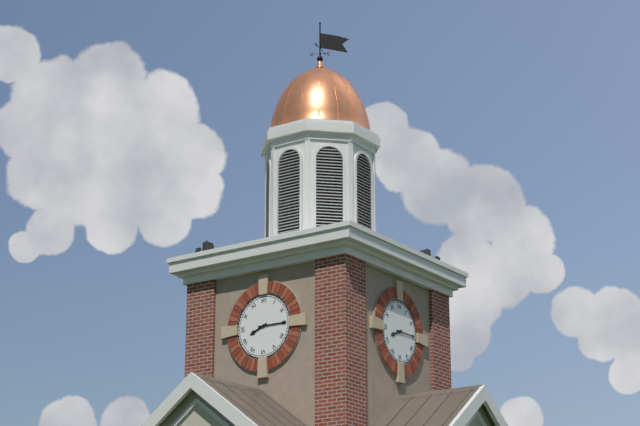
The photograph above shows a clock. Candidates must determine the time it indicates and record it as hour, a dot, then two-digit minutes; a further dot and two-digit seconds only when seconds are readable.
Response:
8.15
